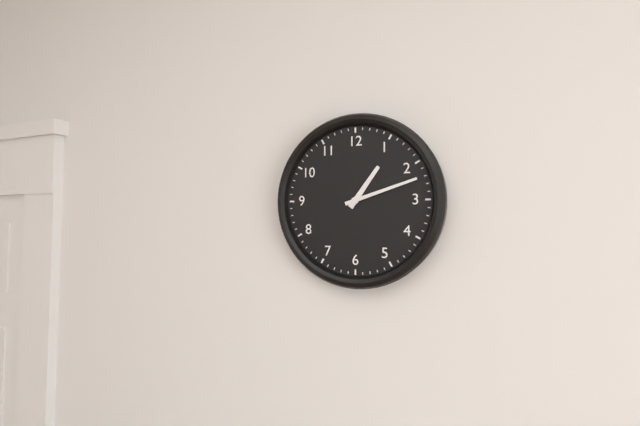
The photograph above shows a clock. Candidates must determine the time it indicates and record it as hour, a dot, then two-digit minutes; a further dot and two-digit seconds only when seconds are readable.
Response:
1.12
